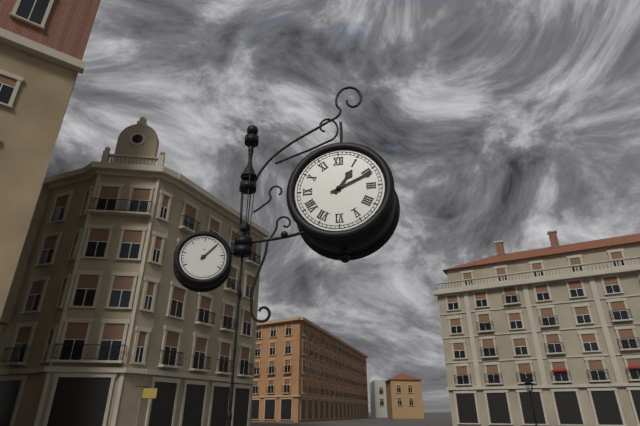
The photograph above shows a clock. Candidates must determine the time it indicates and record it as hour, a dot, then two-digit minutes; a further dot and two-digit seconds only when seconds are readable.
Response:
1.11
